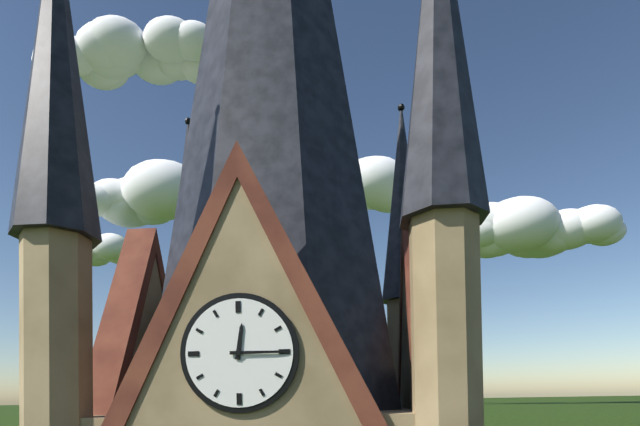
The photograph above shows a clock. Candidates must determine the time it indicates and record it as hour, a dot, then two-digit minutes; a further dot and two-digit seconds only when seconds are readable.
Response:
12.15
